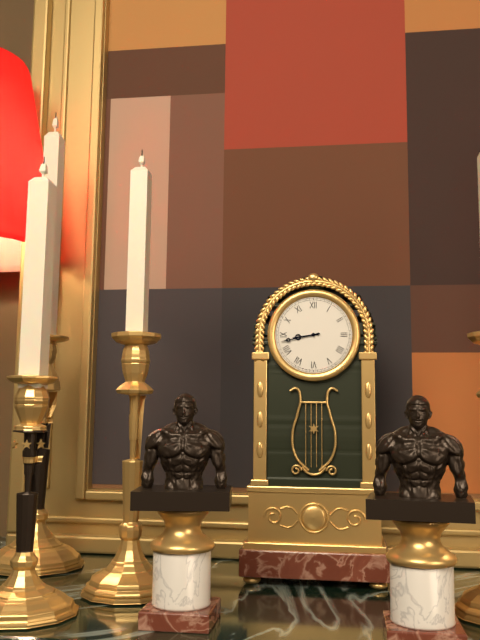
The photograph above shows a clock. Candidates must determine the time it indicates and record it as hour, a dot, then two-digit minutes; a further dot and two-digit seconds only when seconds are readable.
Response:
8.43
